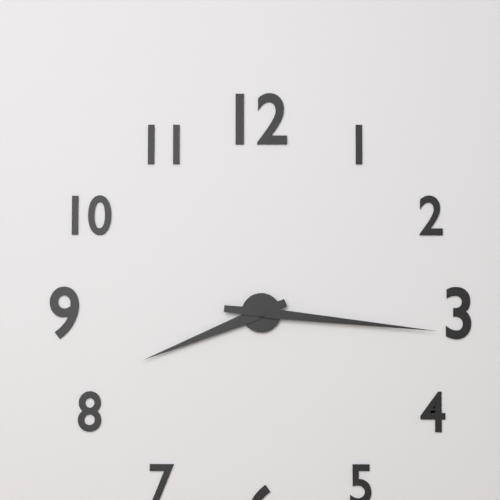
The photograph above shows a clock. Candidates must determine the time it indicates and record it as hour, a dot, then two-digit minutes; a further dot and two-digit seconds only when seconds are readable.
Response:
8.16
